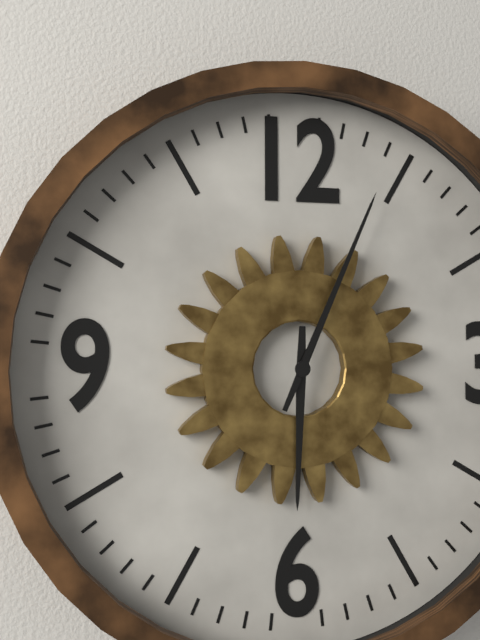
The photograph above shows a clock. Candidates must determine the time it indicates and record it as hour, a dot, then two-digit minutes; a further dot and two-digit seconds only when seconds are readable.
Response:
6.04
